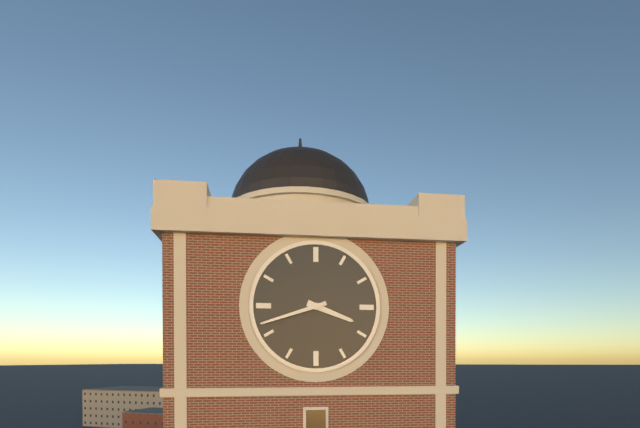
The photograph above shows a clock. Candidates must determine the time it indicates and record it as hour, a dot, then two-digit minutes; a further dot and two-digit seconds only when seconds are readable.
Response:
3.42
